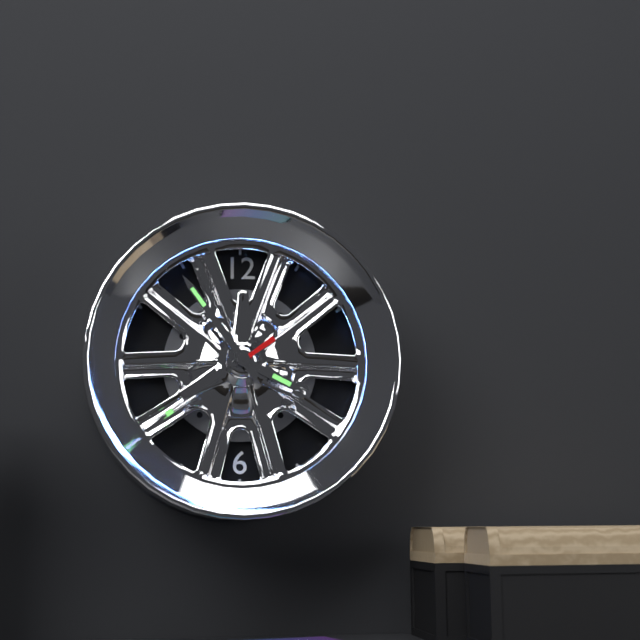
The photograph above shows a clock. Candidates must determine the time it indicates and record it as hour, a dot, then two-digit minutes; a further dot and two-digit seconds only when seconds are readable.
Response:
3.54.39
